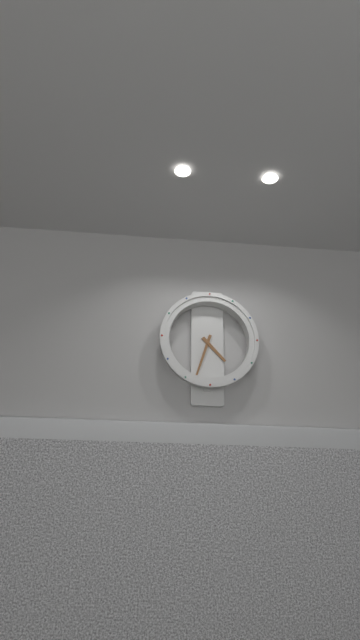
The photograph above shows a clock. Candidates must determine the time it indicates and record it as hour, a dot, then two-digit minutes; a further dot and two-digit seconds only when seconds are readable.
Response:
4.33
